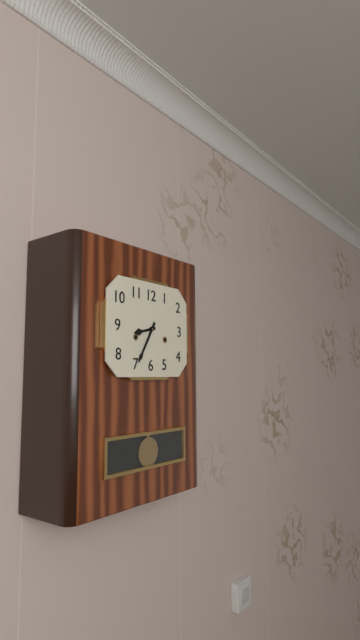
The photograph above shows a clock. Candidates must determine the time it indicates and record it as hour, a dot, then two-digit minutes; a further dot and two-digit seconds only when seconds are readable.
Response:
8.35
